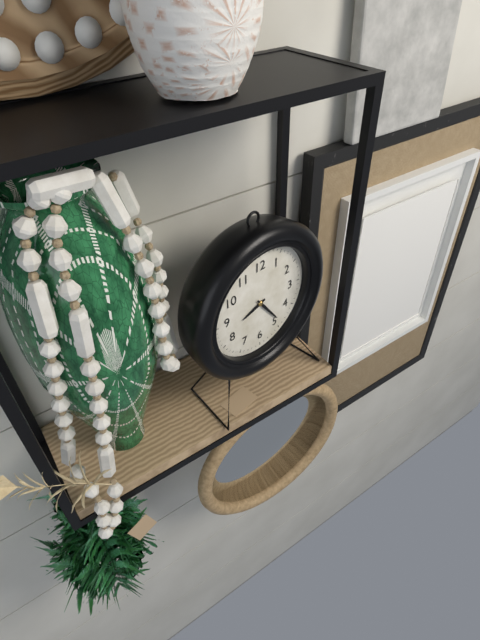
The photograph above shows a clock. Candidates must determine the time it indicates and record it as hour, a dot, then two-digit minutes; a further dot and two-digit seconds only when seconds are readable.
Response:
8.24
